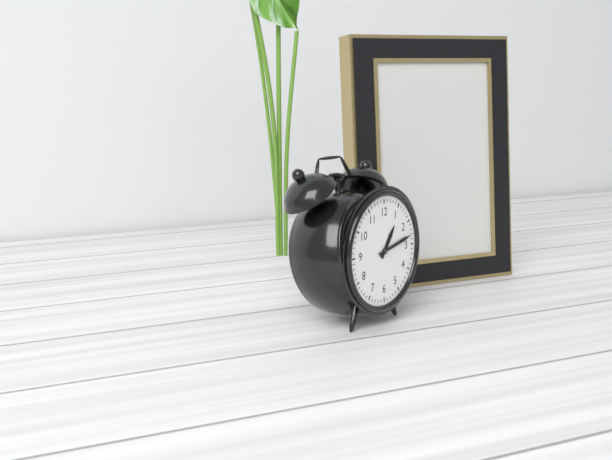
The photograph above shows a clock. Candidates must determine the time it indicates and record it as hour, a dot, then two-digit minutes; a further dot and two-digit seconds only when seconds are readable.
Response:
1.13
